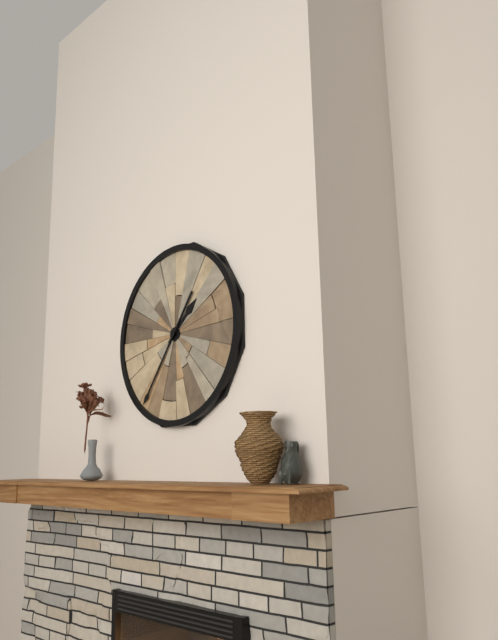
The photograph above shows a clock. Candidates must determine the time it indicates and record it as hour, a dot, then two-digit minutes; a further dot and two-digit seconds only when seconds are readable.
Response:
1.36
